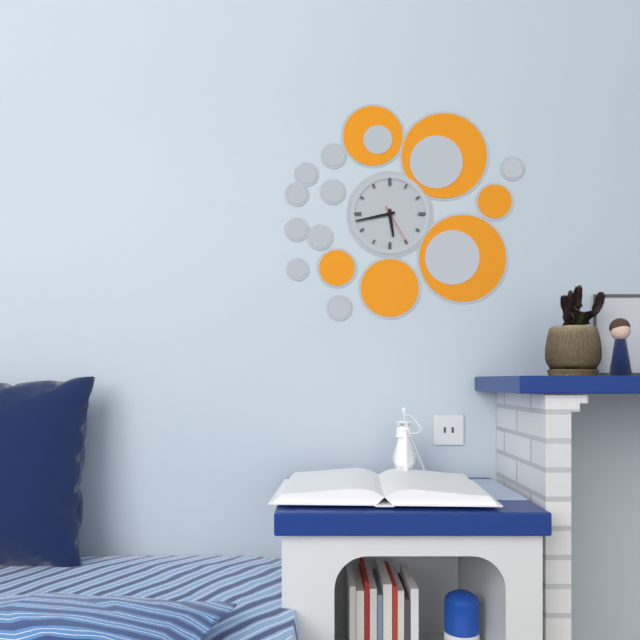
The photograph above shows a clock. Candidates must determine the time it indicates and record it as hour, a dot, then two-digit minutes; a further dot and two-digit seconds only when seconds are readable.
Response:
5.43
